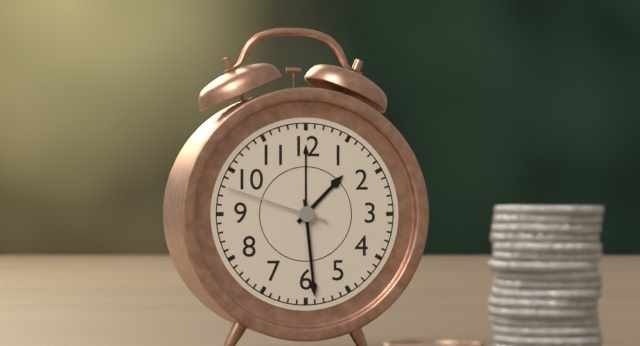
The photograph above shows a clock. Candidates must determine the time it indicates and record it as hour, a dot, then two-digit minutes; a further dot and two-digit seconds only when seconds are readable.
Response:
1.29.48
